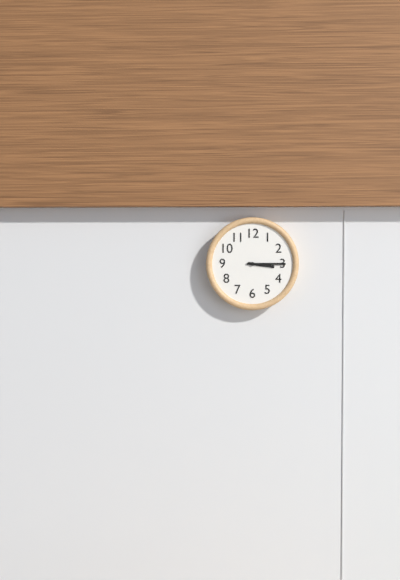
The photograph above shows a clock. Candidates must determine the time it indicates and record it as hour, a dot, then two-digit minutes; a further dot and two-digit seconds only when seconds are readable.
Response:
3.15
